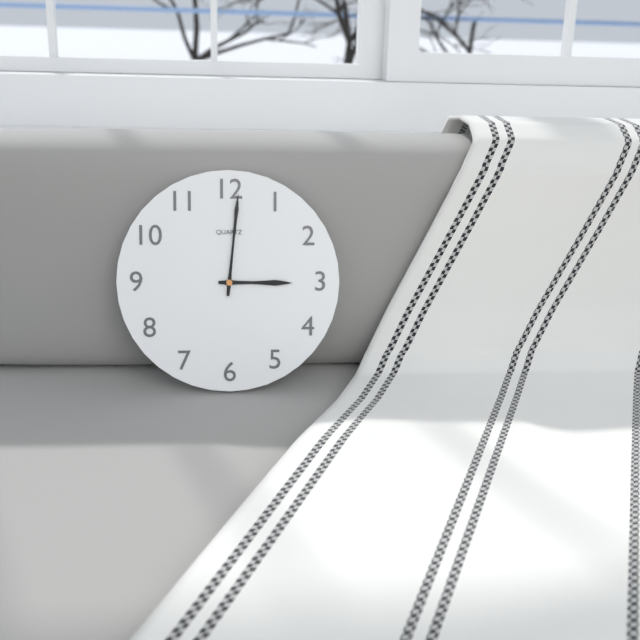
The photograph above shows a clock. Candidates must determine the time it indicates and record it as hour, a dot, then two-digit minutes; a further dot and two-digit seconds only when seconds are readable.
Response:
3.01
